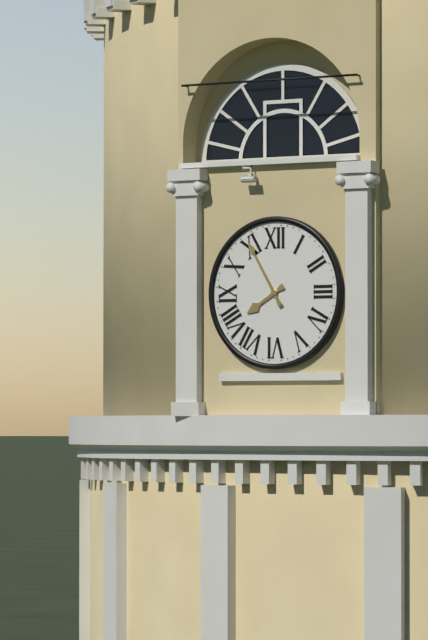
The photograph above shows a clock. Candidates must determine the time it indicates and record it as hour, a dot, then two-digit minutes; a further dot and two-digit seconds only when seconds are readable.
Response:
7.55
